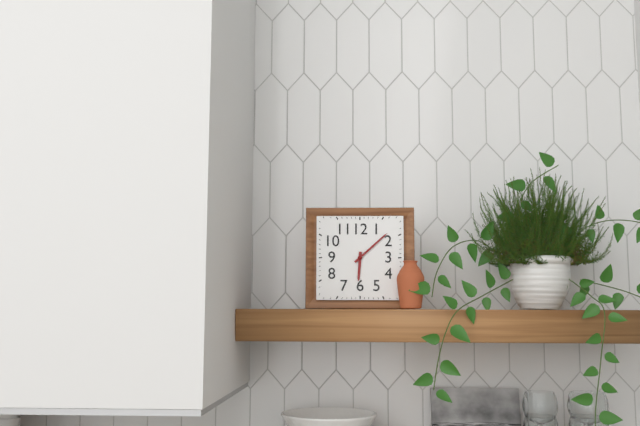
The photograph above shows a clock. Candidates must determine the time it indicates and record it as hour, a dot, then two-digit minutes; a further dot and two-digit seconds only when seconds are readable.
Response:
6.08
